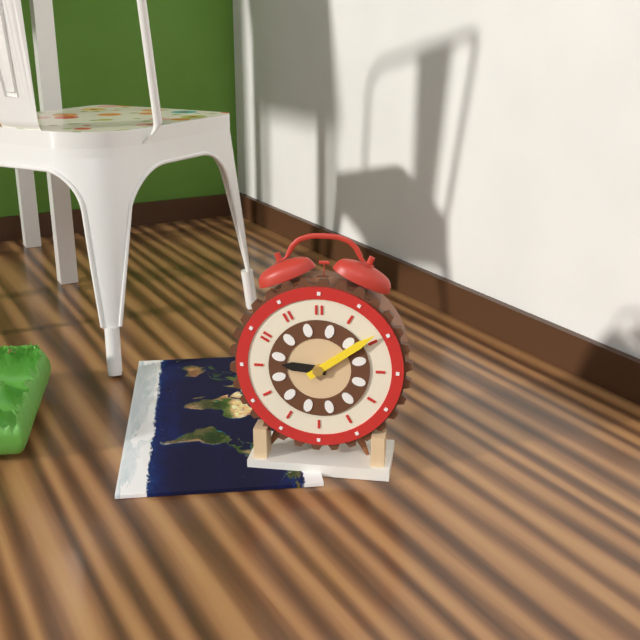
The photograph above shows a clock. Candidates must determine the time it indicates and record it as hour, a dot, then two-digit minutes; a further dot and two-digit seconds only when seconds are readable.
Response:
9.09
